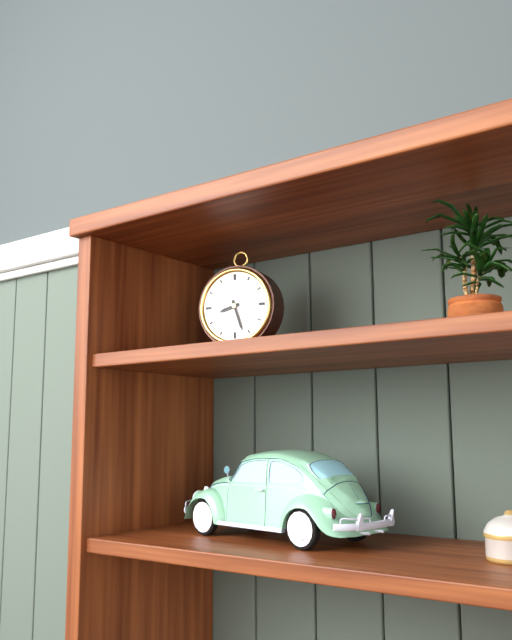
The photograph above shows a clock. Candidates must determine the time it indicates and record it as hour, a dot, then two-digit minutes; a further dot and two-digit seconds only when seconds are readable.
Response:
8.27
